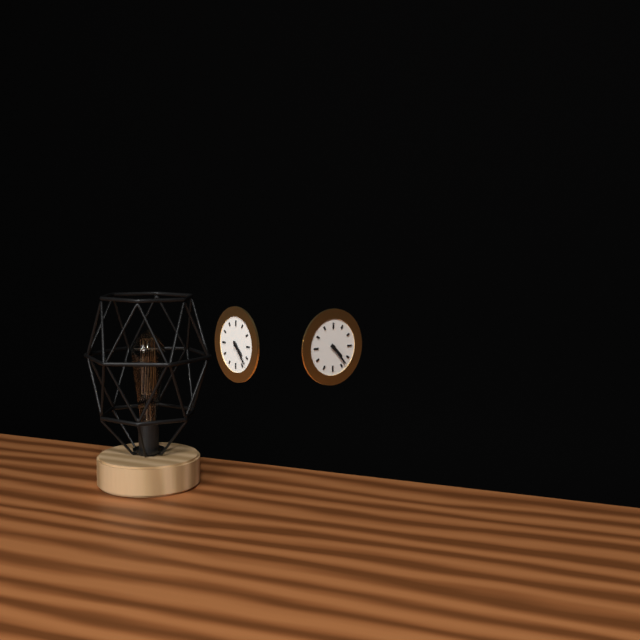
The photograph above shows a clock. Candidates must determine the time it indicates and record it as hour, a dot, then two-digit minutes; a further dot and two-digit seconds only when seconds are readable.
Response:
4.23
